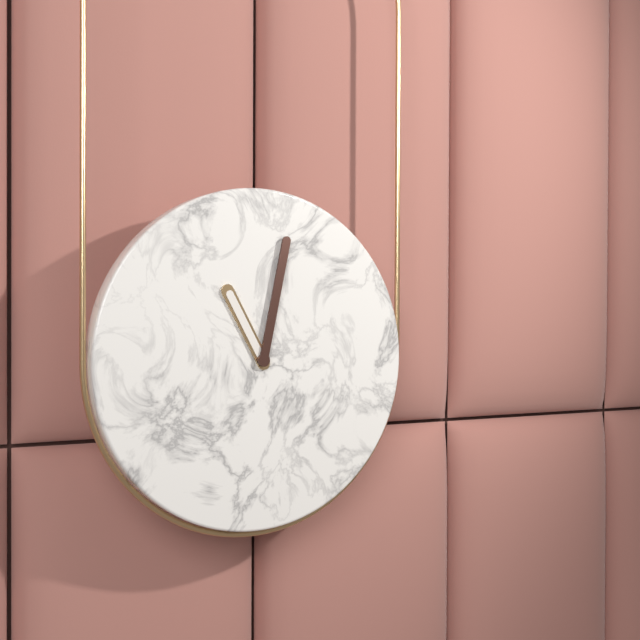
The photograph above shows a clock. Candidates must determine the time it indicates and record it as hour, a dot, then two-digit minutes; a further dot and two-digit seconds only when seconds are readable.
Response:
11.02
